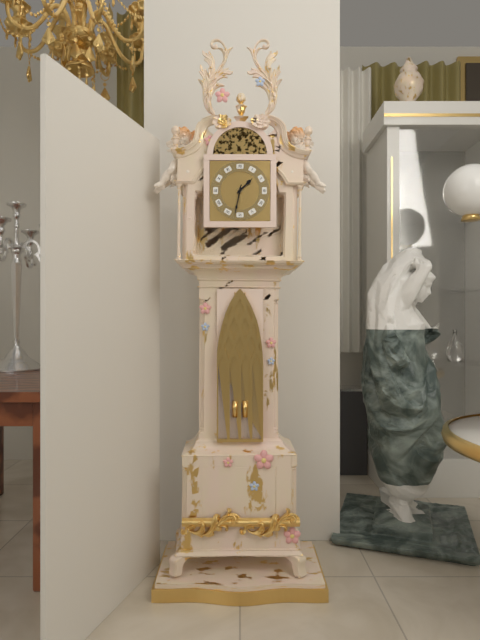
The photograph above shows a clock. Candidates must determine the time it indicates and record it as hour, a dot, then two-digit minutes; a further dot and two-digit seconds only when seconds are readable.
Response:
1.32
